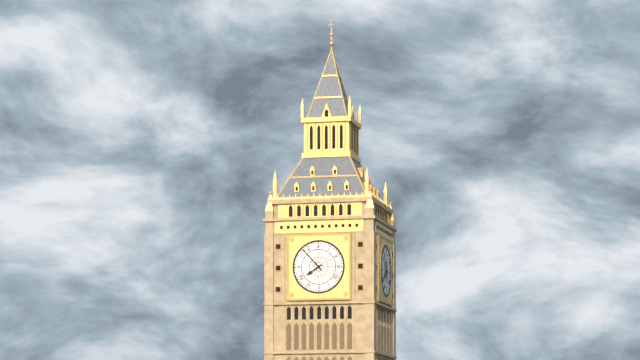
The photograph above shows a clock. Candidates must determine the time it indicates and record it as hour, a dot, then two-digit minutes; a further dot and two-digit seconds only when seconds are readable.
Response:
7.53
